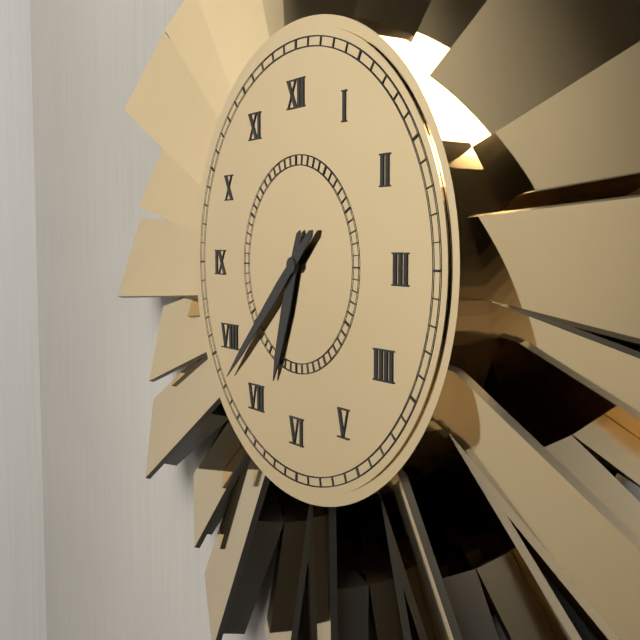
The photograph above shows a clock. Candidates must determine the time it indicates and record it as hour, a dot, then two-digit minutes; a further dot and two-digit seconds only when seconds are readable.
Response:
6.38
